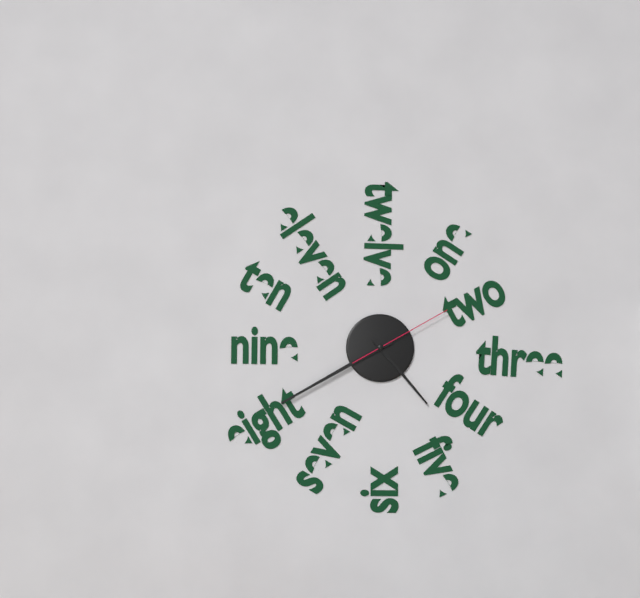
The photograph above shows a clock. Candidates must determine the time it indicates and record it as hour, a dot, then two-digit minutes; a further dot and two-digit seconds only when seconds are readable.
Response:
4.40.10
